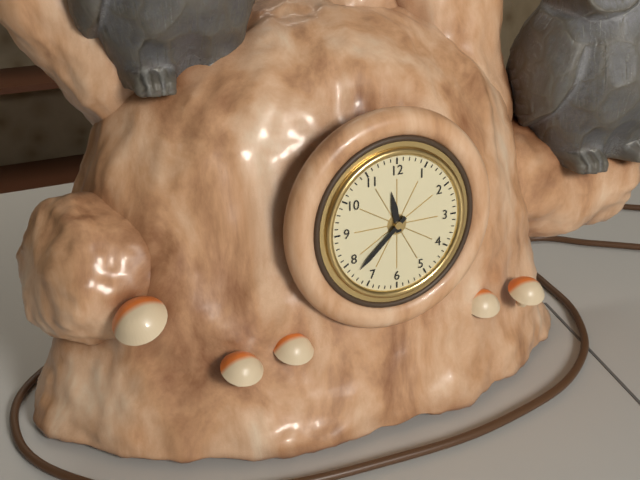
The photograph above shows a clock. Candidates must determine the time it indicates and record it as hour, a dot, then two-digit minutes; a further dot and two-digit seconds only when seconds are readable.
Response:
11.38
